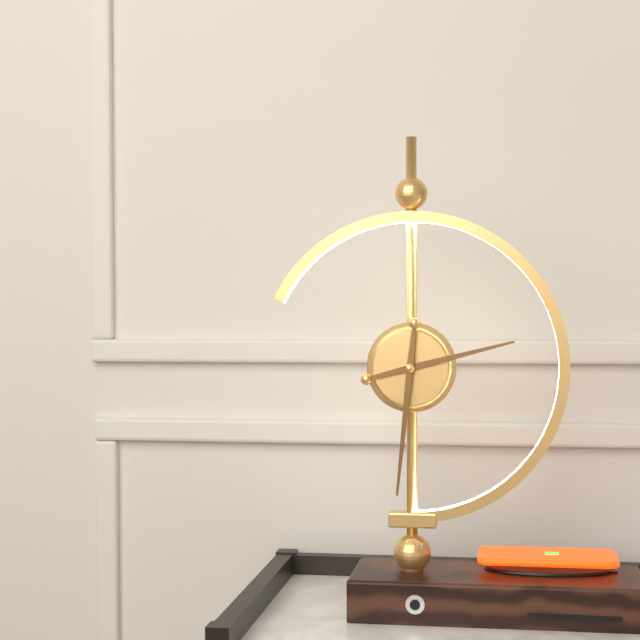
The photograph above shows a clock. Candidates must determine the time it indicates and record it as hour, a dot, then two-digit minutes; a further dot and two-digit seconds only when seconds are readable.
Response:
2.31
